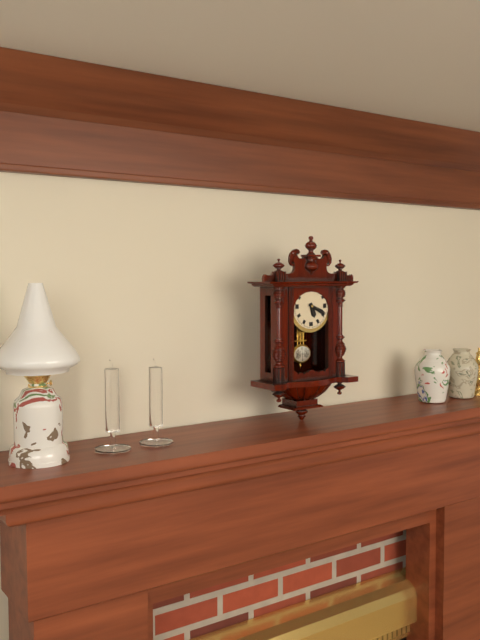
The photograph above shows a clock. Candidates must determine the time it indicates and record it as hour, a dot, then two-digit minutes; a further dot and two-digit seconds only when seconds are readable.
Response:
5.19
